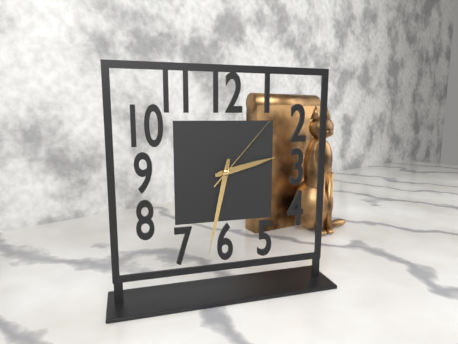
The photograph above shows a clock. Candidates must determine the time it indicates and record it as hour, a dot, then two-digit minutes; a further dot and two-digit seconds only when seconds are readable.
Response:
2.32.07
